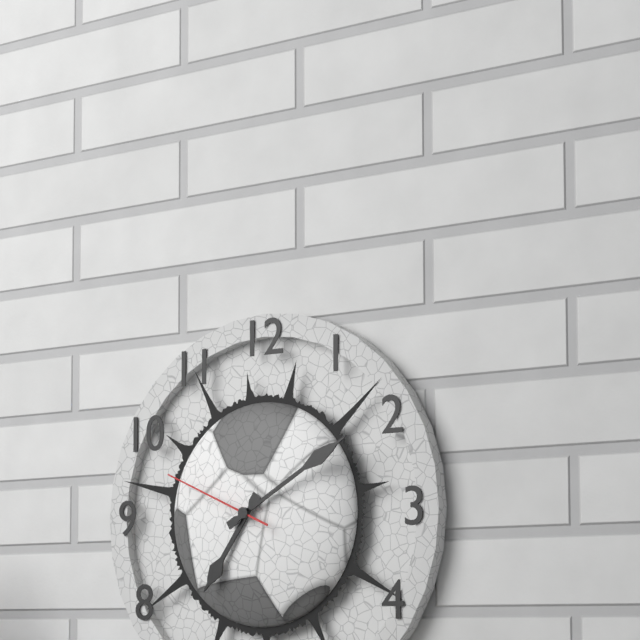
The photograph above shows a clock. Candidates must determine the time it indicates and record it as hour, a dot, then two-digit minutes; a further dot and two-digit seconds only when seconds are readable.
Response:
7.10.49
